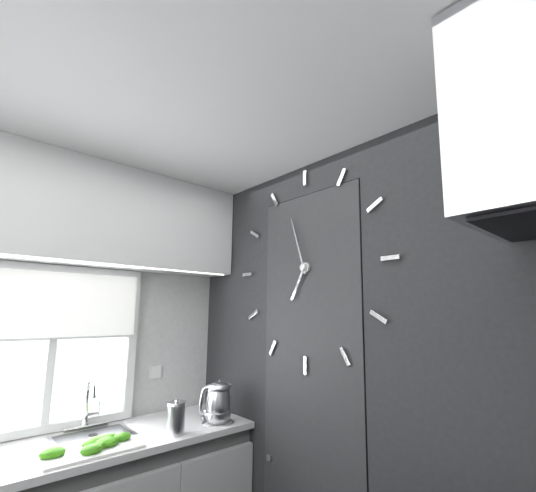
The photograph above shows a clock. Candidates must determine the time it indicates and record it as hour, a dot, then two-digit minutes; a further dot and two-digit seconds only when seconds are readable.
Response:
6.57
